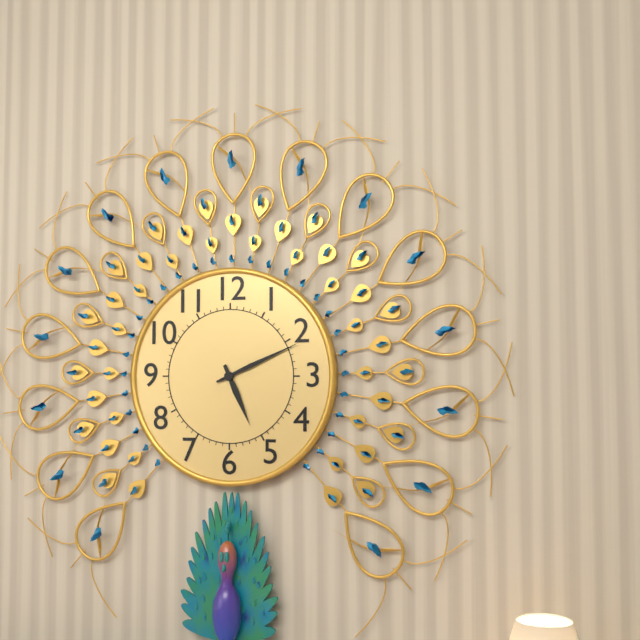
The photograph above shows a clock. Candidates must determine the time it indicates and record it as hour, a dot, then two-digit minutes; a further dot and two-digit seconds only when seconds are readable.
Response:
5.11
